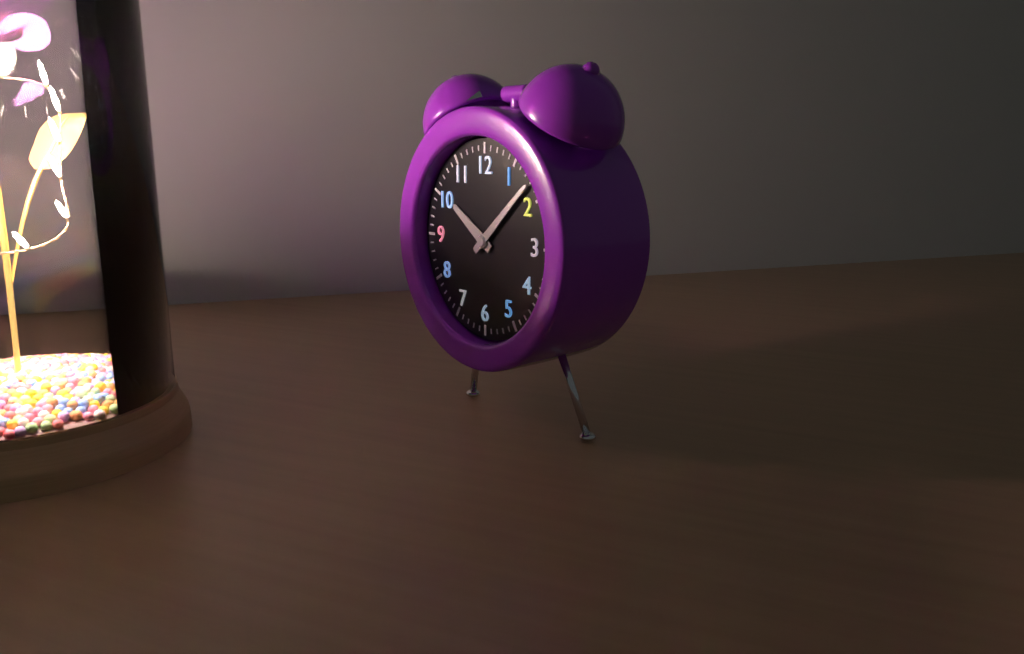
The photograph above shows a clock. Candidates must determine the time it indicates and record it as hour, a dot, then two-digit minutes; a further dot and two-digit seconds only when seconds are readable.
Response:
10.08
